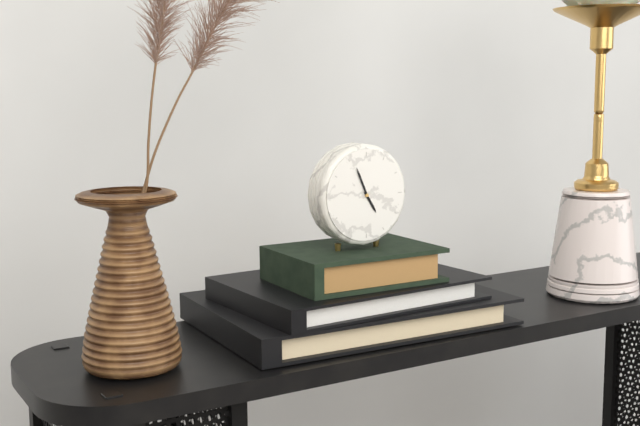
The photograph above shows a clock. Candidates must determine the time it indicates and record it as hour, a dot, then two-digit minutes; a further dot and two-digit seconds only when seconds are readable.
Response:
4.56
